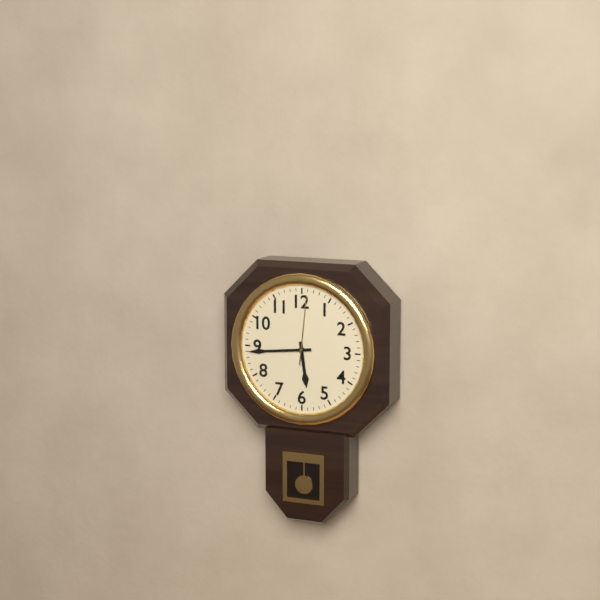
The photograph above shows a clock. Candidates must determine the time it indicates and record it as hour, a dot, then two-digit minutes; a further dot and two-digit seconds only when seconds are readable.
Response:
5.44.01
